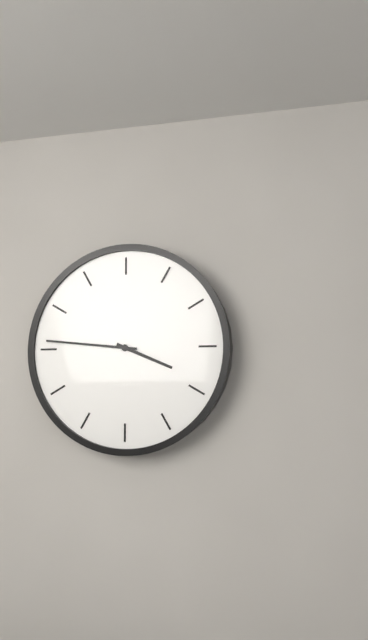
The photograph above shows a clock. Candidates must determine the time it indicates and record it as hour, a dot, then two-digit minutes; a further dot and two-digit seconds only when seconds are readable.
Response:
3.46
